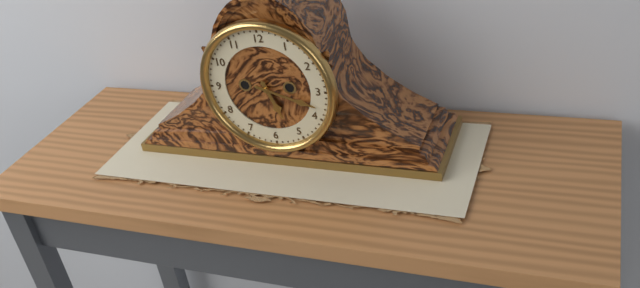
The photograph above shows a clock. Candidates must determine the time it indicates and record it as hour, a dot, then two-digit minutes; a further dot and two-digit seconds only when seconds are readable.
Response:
5.18
